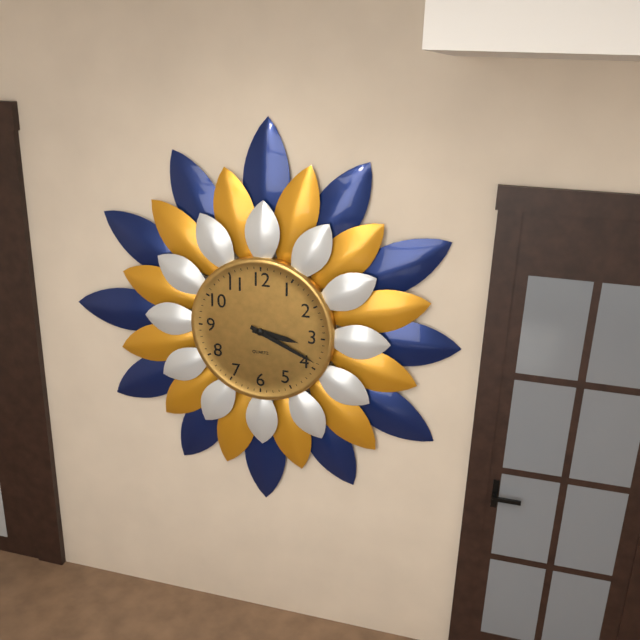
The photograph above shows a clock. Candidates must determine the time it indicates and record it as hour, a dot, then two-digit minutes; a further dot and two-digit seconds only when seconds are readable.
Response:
3.19
